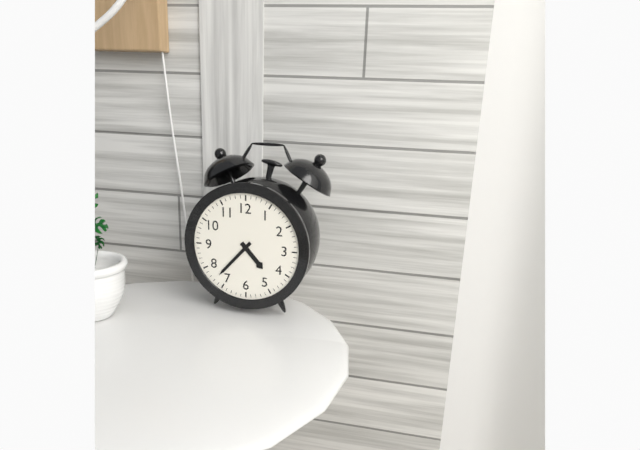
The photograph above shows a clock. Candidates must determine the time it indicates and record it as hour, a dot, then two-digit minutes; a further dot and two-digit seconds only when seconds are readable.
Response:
4.37
